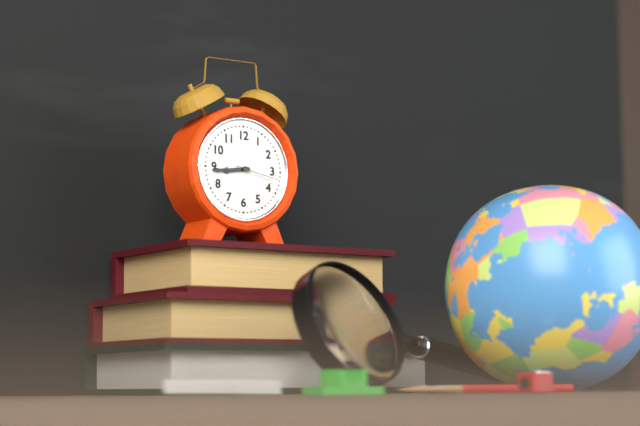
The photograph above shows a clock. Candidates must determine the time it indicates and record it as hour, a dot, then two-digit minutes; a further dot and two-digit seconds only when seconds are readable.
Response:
8.44
